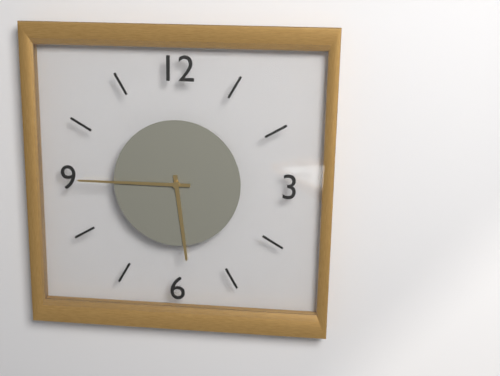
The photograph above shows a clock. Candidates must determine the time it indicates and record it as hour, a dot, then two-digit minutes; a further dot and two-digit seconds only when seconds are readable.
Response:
5.45
